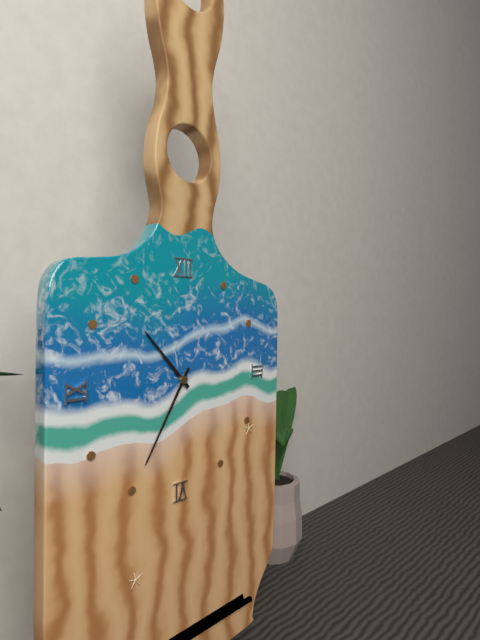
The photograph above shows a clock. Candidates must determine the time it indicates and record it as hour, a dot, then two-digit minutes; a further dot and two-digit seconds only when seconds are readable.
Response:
10.35
